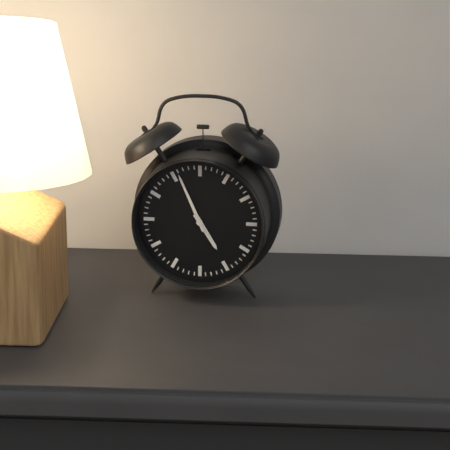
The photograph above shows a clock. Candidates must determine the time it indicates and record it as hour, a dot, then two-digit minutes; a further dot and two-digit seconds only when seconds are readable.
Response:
4.56
